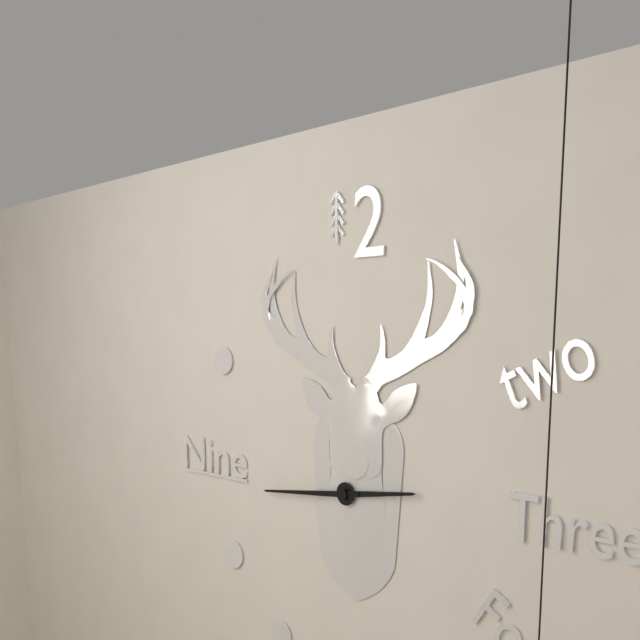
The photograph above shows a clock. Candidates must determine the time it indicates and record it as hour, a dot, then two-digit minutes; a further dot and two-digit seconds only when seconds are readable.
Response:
2.44
